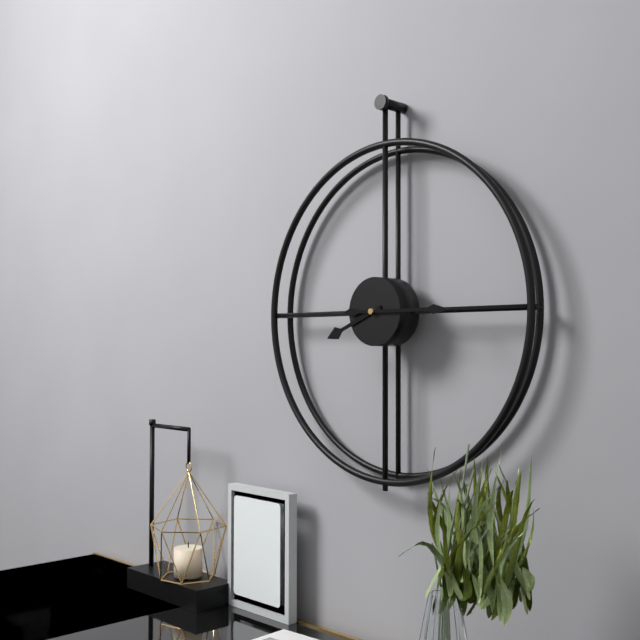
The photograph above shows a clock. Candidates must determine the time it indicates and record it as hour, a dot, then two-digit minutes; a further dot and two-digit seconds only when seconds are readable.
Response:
8.15
